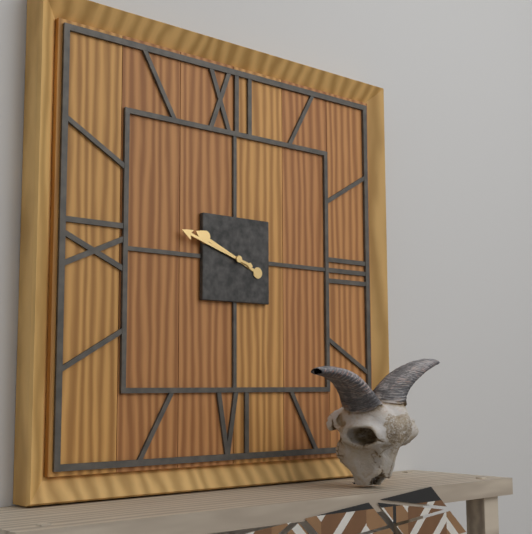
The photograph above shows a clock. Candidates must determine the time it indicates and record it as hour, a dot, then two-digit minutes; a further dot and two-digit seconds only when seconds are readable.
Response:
9.48
